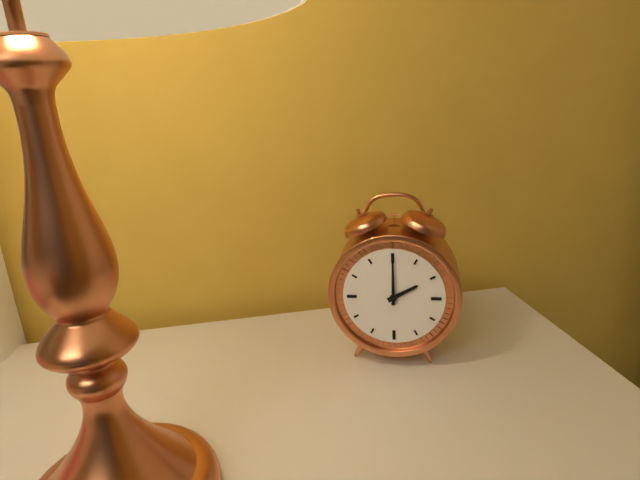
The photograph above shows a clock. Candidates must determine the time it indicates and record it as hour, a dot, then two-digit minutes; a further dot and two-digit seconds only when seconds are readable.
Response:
2.00
